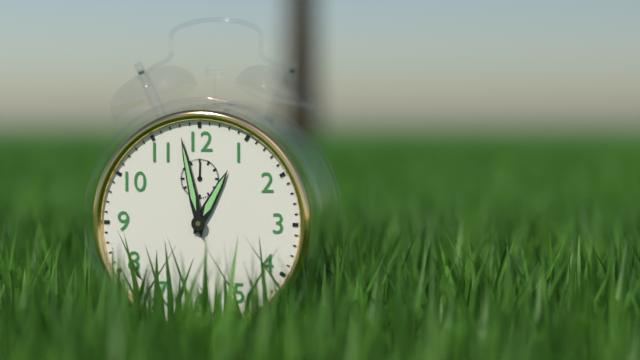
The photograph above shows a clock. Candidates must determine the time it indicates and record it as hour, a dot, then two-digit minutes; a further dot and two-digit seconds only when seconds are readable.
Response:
12.58
